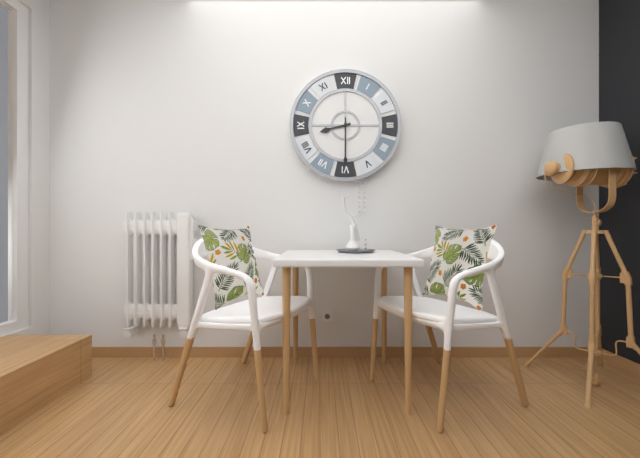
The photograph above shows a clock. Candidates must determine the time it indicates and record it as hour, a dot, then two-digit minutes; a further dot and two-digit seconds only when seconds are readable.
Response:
8.30
